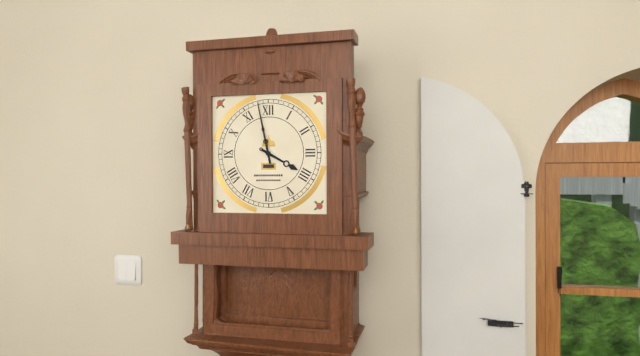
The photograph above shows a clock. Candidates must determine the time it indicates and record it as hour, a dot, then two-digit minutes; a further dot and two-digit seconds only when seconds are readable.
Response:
3.58
